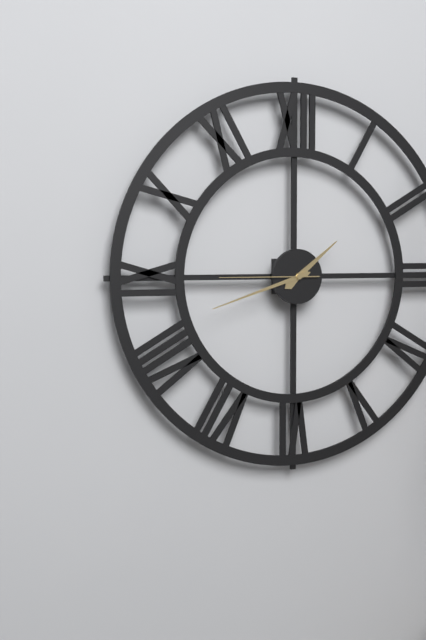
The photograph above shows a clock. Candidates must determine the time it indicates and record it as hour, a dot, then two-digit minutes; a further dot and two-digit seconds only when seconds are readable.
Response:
1.42.45
